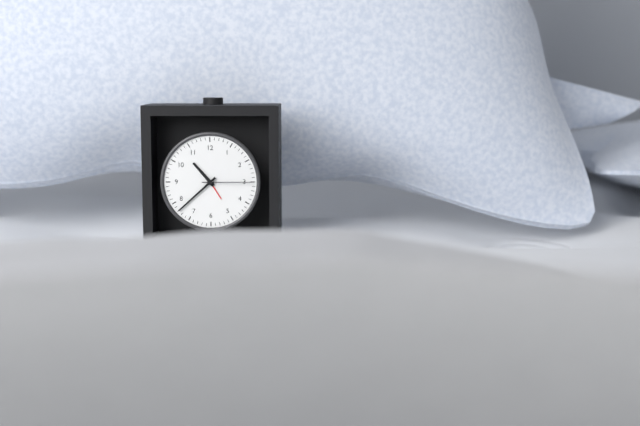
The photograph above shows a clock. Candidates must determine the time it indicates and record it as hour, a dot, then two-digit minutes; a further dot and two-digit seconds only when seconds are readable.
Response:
10.38.15
